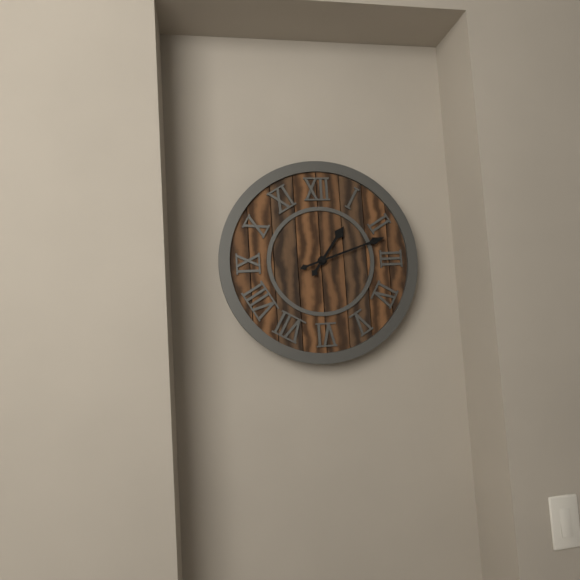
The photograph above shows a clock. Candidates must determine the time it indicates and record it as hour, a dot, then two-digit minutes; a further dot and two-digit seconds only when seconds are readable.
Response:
1.12
